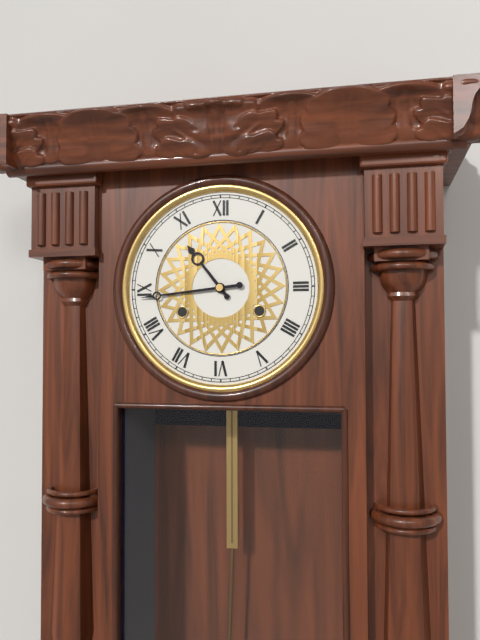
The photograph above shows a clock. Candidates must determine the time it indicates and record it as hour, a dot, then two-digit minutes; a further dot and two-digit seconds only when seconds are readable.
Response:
10.44
